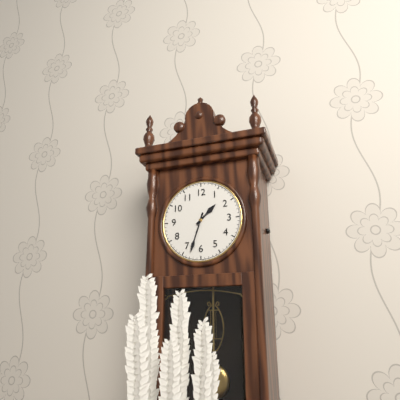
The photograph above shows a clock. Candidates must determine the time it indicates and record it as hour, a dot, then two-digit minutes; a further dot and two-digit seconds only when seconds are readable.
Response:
1.33
